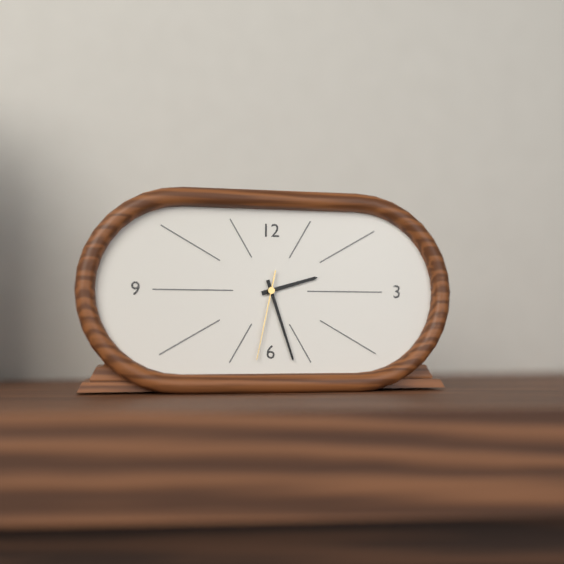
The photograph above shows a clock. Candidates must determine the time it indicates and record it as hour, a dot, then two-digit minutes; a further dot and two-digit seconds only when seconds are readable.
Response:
2.27.32
